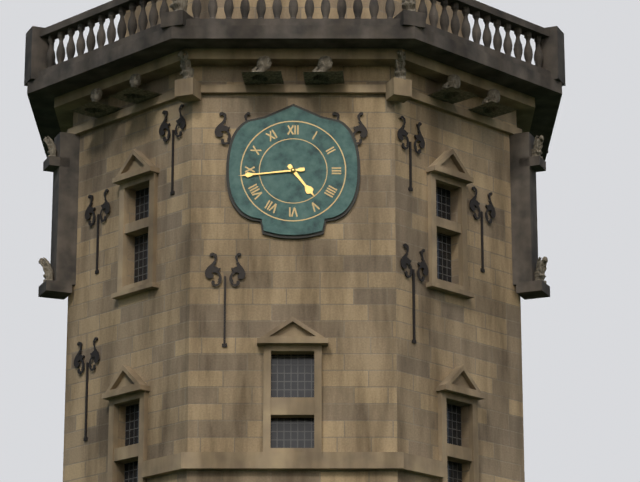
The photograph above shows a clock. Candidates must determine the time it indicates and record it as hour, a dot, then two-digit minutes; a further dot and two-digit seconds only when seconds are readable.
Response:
4.44
